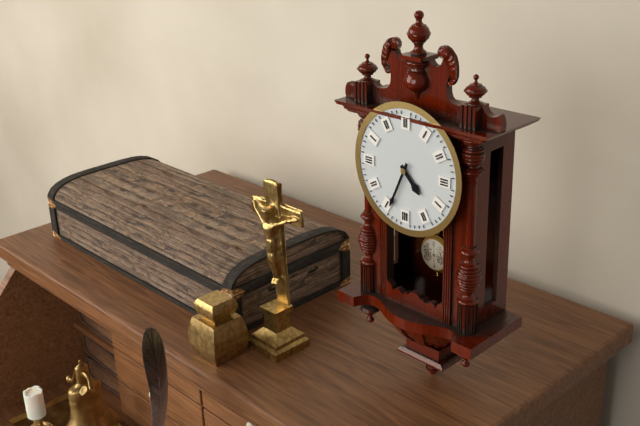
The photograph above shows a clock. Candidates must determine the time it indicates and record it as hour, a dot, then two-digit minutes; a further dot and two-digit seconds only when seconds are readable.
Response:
4.34
